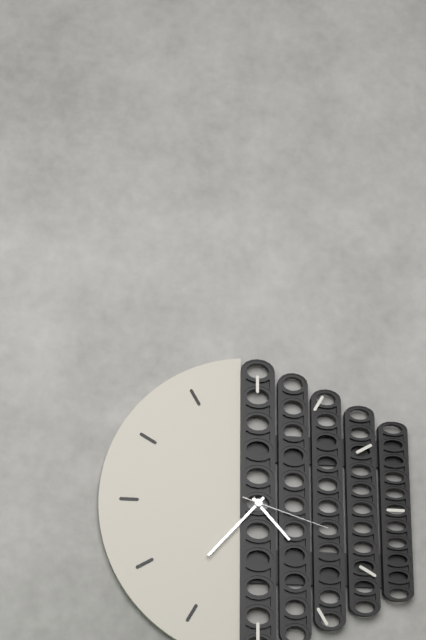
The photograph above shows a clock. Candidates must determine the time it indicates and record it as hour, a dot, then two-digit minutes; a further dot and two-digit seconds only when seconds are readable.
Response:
4.37.18
